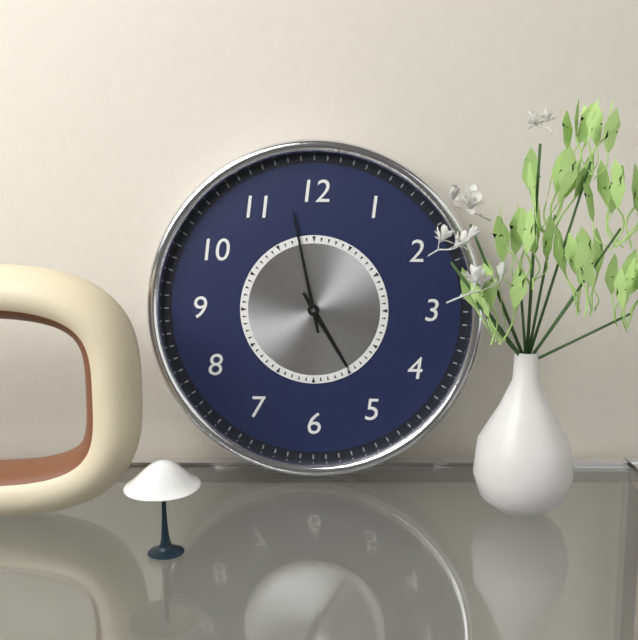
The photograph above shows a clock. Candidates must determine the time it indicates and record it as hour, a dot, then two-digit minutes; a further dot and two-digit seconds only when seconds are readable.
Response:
4.58
